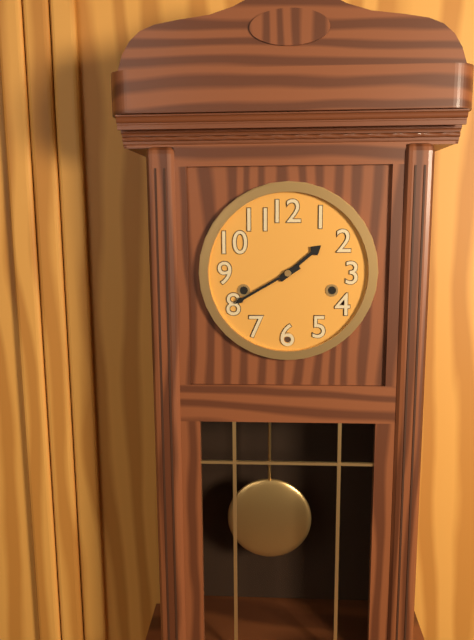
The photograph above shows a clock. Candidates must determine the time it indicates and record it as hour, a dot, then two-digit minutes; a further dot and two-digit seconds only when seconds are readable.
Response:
1.40
